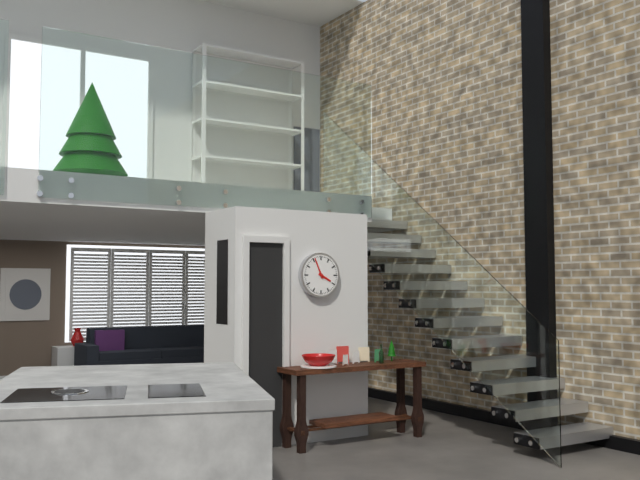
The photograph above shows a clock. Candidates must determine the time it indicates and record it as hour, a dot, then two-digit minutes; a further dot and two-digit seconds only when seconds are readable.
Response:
3.56
